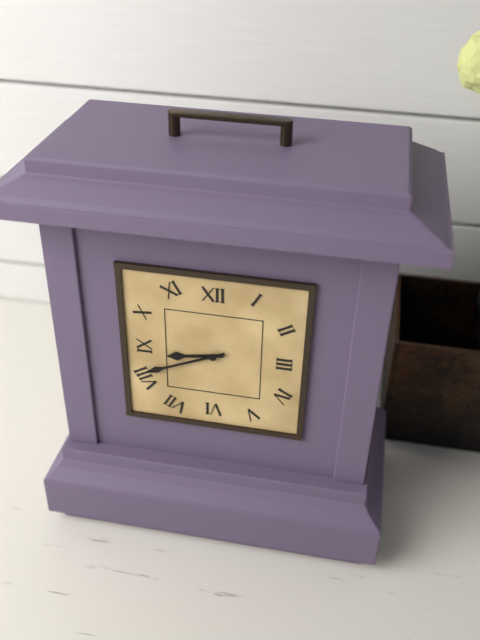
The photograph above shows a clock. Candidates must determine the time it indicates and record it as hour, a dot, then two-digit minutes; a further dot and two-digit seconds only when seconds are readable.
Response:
8.41
